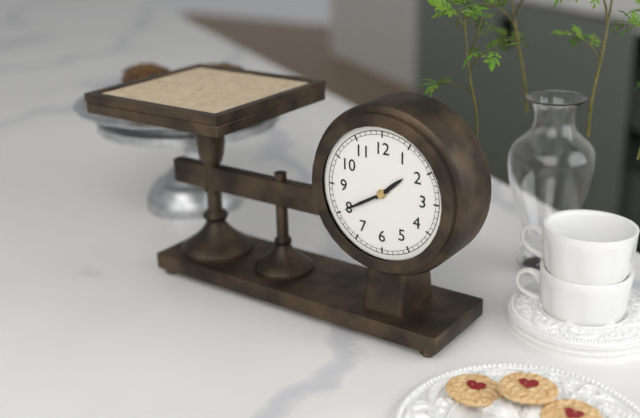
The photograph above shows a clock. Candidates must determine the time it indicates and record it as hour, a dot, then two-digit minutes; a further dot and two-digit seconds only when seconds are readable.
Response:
1.40
